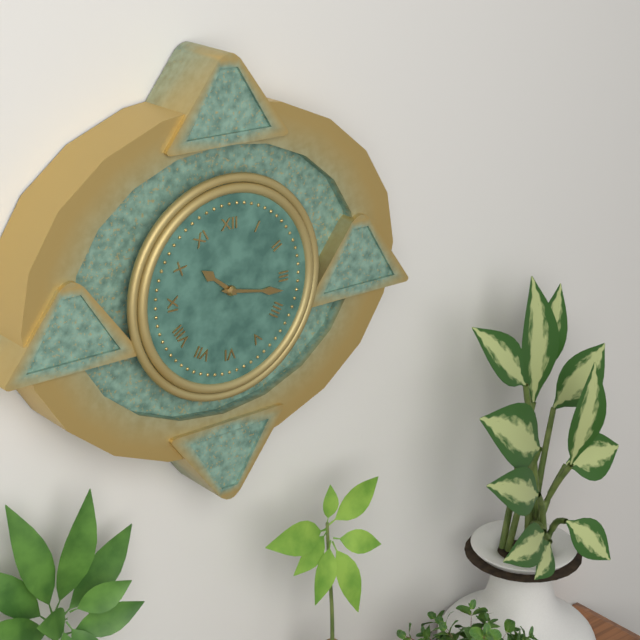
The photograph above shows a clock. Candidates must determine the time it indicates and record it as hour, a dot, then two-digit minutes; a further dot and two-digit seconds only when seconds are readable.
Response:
10.17
